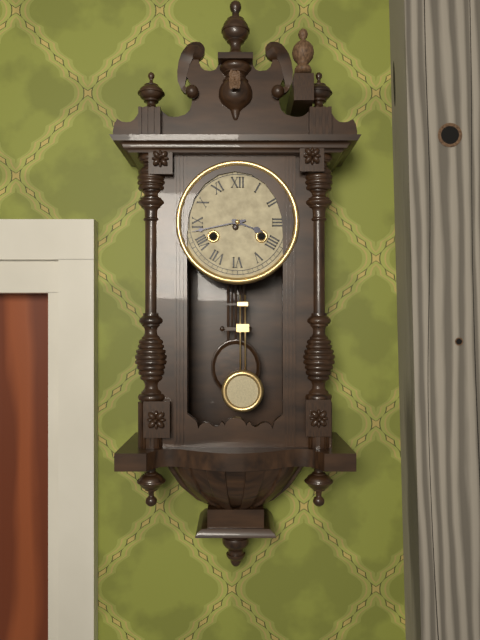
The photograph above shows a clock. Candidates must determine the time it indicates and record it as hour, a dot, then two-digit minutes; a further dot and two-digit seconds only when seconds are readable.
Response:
3.43
